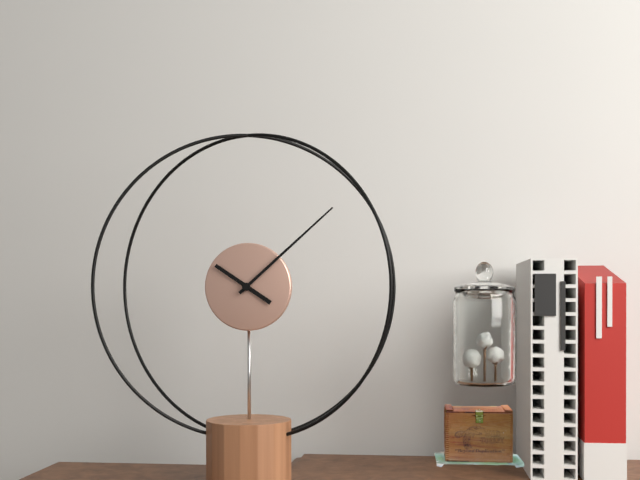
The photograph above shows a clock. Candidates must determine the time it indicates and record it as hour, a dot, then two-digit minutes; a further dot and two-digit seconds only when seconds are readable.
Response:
10.08
